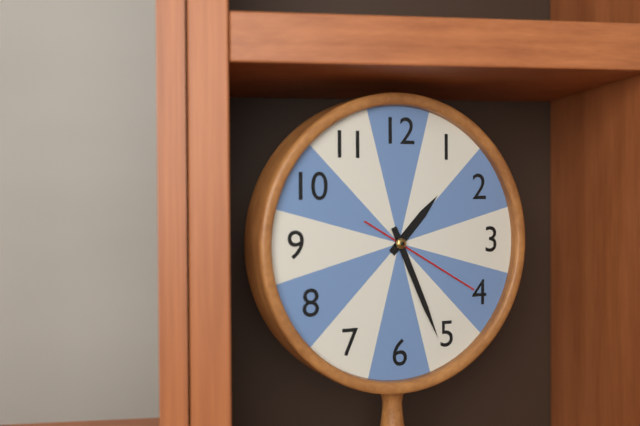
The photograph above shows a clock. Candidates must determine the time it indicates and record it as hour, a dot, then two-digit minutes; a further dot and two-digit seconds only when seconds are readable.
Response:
1.26.20
